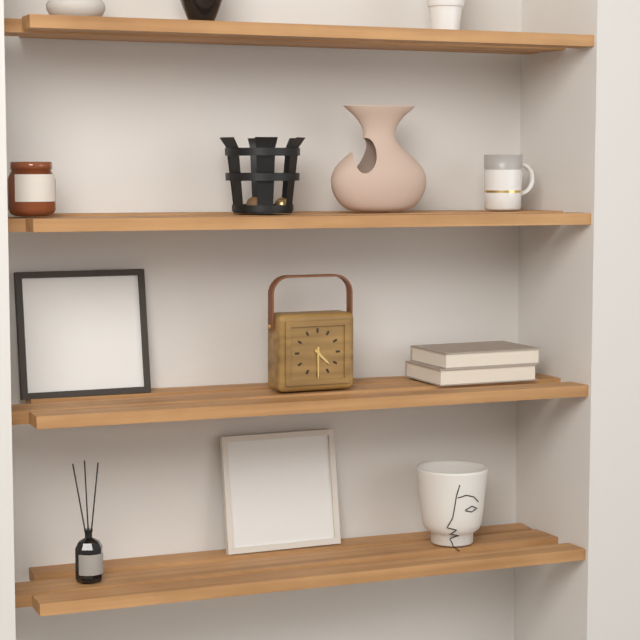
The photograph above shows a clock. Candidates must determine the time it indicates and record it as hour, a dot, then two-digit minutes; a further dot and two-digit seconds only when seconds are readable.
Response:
4.30
